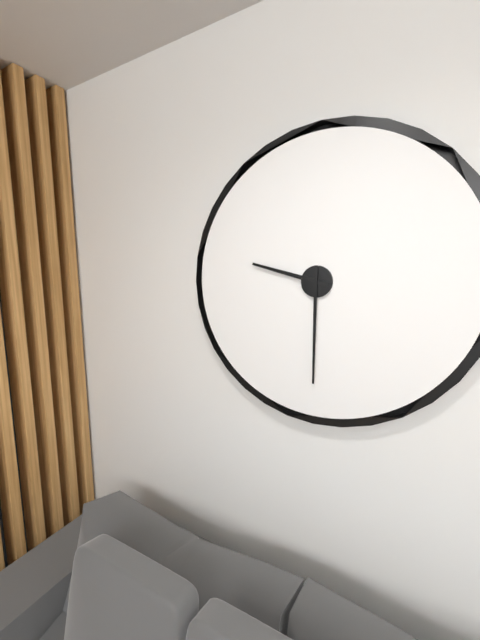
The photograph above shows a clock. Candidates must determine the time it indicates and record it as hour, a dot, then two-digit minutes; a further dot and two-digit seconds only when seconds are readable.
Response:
9.30
